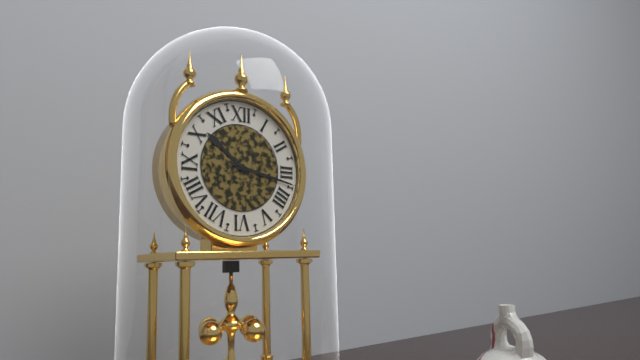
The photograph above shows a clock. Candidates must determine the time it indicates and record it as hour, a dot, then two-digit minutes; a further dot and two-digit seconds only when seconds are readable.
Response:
10.17
